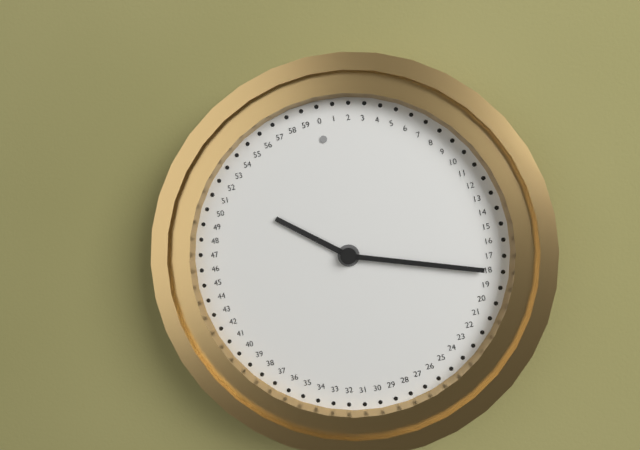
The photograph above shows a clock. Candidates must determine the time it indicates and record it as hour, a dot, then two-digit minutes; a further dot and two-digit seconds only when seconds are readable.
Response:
10.18
